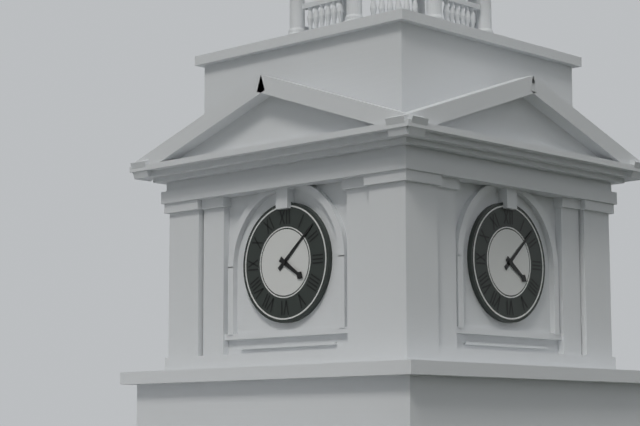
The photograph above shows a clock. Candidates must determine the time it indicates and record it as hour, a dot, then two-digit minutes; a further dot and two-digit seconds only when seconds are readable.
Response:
4.08
